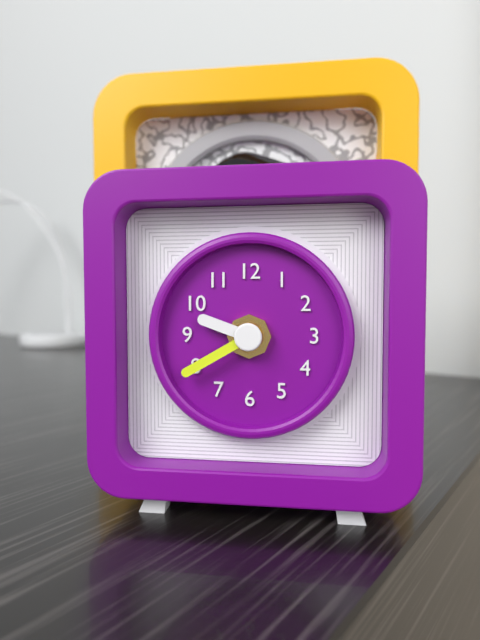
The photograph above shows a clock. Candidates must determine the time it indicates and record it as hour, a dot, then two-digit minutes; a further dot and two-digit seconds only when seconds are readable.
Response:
9.40
